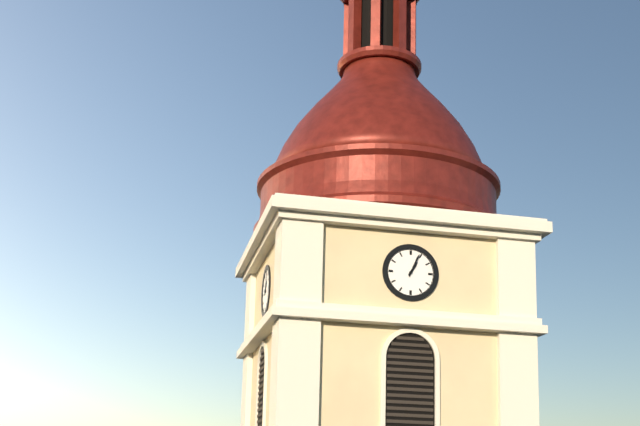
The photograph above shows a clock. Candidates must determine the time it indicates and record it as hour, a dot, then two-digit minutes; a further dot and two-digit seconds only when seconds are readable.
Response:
1.04
